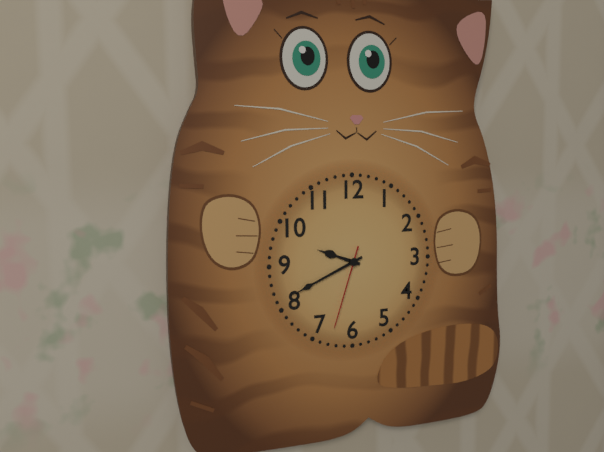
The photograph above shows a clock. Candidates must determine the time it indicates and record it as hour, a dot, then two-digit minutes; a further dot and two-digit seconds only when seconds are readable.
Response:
9.41.33
